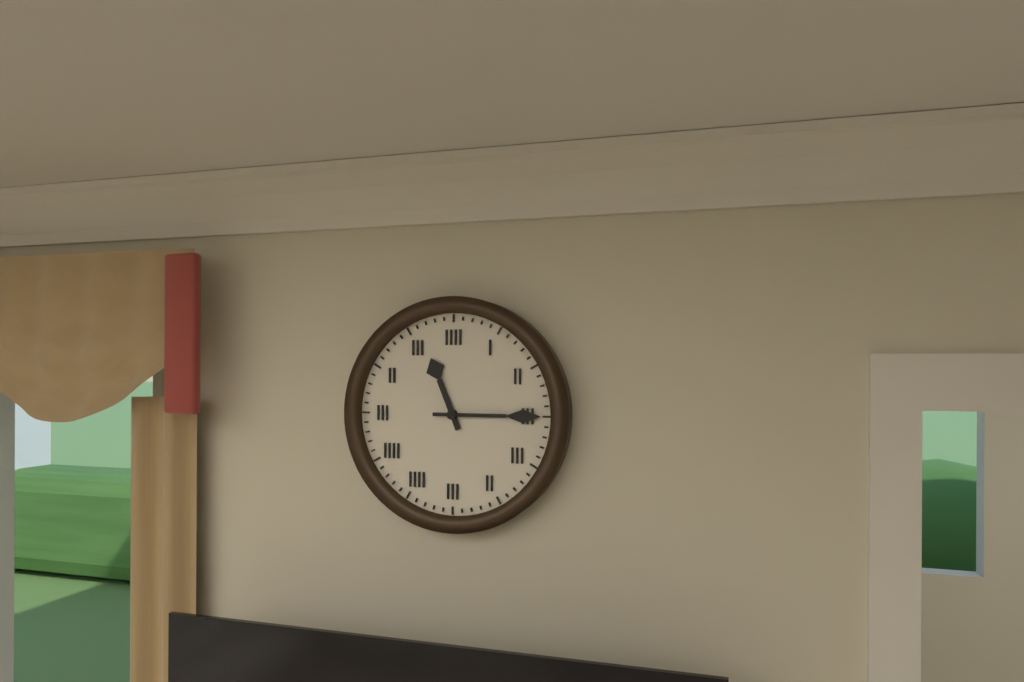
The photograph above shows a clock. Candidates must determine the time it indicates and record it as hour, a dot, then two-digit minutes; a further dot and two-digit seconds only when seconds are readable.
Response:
11.15
